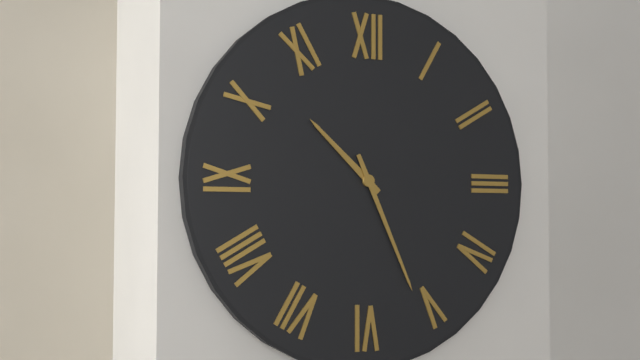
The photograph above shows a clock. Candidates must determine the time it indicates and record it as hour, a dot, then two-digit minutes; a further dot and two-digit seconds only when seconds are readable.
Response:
10.26
